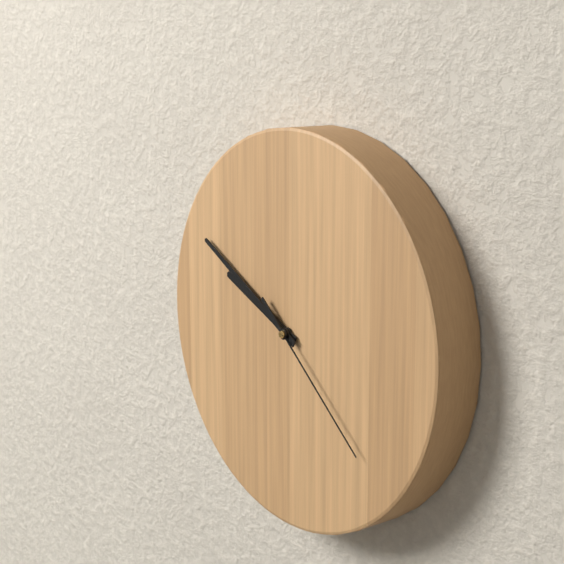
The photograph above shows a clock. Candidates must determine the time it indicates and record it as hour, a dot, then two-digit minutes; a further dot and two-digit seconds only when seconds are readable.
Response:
9.50.22
